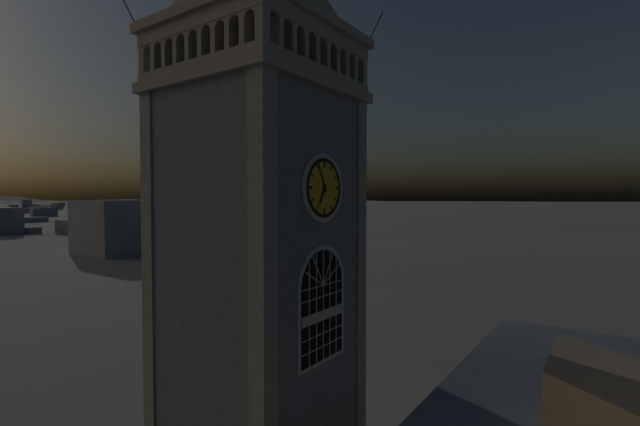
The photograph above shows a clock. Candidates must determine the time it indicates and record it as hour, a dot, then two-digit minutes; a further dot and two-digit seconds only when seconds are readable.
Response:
6.56
